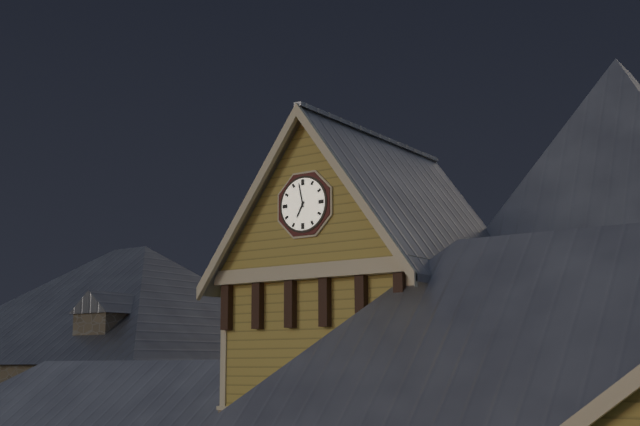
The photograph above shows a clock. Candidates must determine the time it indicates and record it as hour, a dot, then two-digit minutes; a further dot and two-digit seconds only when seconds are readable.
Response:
6.58
